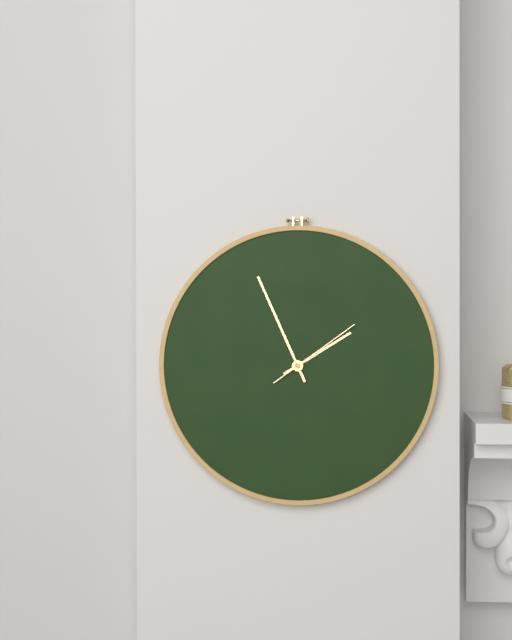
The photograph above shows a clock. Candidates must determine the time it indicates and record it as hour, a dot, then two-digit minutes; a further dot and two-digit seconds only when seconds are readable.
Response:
1.56.09
